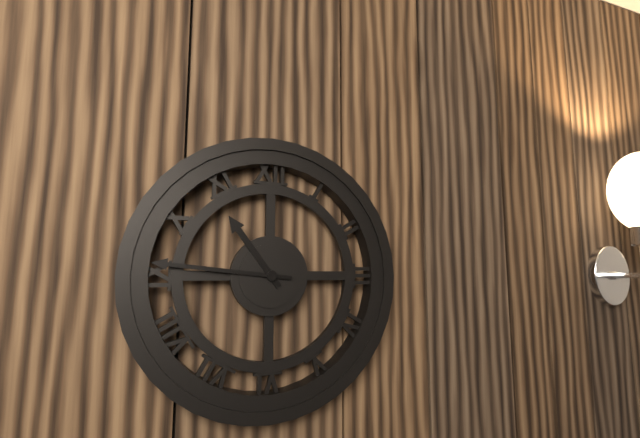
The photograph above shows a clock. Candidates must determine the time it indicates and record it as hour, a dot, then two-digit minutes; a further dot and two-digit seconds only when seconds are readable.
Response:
10.46
